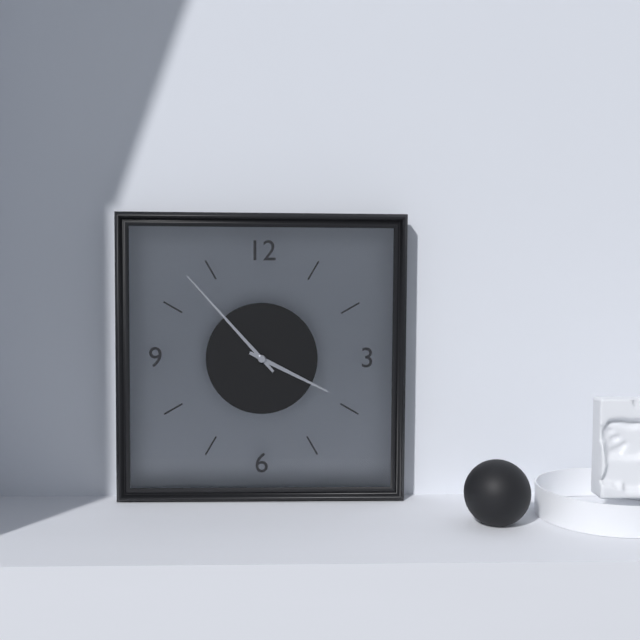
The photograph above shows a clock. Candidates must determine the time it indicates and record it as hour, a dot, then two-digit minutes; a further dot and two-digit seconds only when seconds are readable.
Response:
3.53
